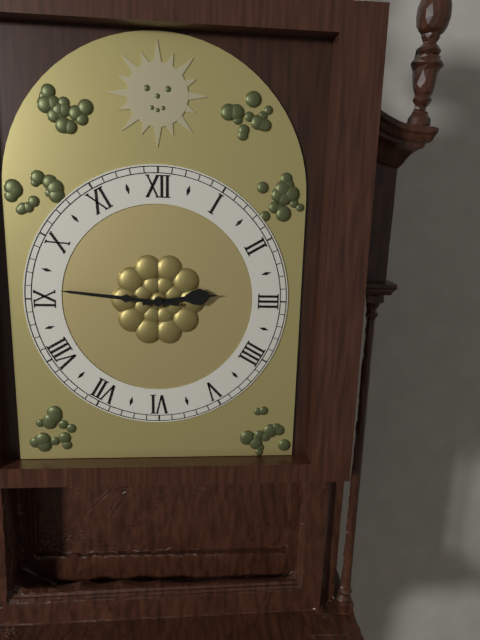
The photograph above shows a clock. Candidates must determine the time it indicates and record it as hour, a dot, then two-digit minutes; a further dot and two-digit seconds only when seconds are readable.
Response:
2.46
